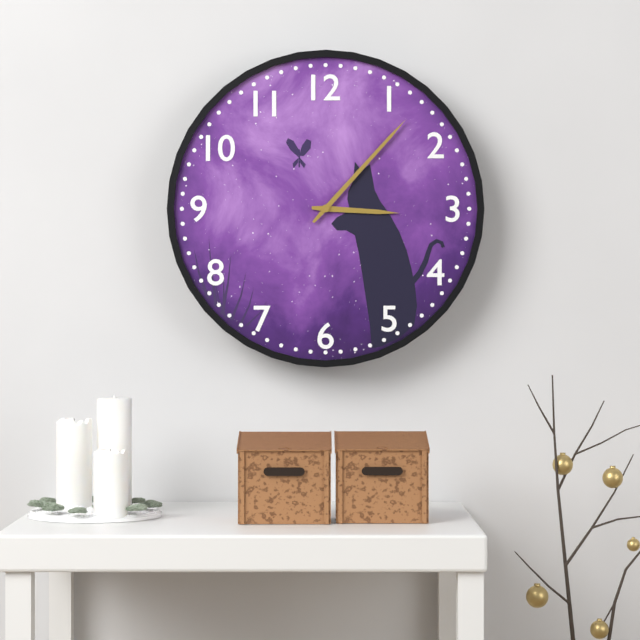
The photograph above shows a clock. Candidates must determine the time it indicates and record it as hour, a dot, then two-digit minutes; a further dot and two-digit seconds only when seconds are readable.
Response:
3.07
